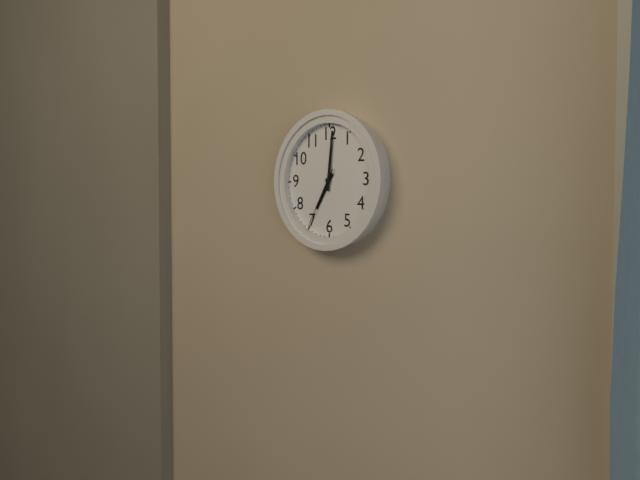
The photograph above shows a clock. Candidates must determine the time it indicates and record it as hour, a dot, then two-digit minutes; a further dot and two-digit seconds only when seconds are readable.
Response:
7.01.35
